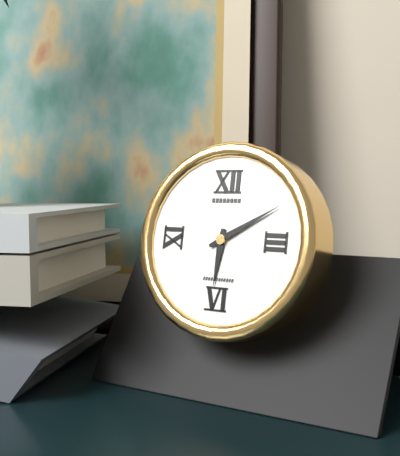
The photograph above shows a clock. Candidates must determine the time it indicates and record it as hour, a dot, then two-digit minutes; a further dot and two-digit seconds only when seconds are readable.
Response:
6.10
